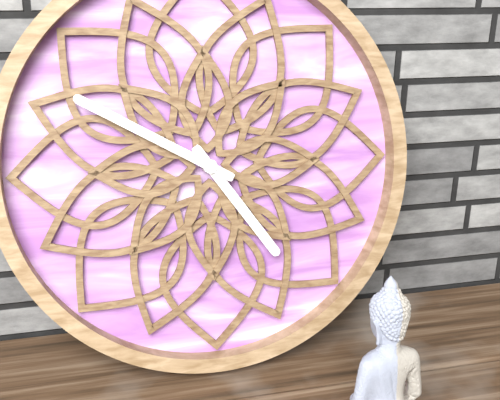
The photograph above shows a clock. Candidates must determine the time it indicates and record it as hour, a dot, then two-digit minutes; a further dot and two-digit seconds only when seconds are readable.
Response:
4.50
